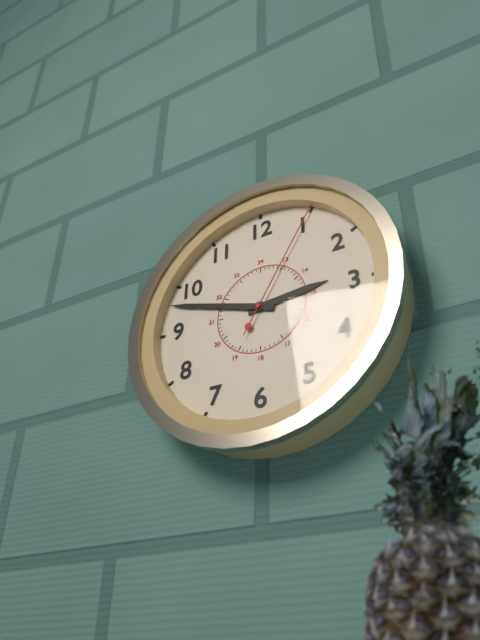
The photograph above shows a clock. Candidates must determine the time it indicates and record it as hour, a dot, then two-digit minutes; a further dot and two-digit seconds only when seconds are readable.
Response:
2.48.05
